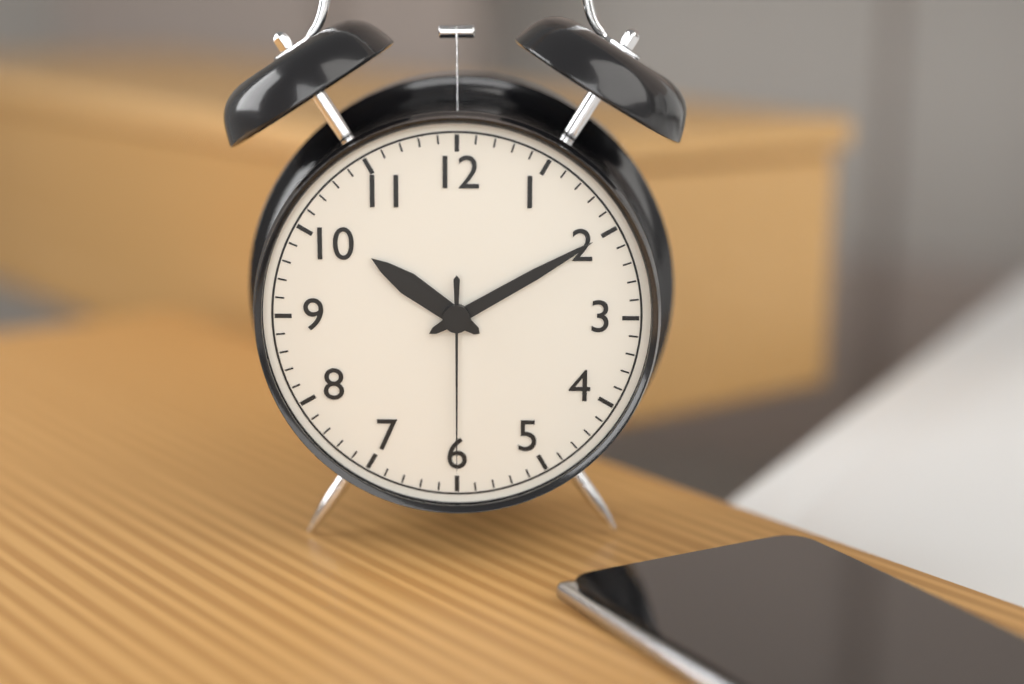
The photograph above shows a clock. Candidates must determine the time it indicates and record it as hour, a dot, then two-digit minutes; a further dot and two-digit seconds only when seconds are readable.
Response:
10.10.30
